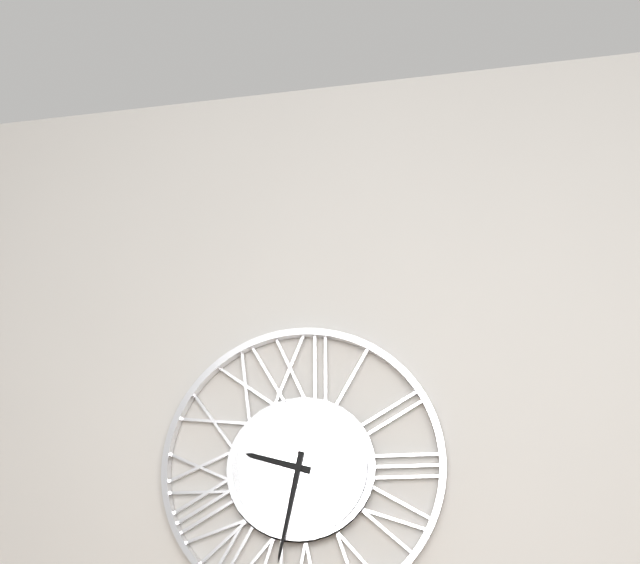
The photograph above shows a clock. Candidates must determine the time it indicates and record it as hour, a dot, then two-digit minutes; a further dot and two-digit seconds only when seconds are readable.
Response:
9.32
